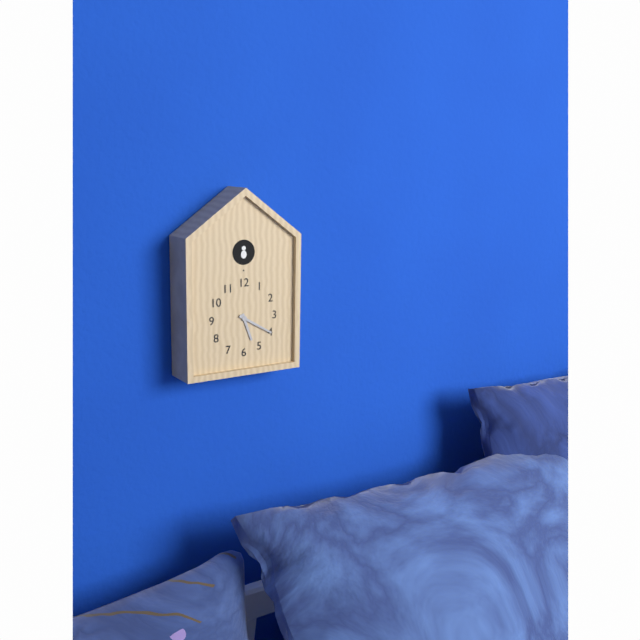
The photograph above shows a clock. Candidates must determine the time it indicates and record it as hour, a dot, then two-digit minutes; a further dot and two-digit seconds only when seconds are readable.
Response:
5.20
